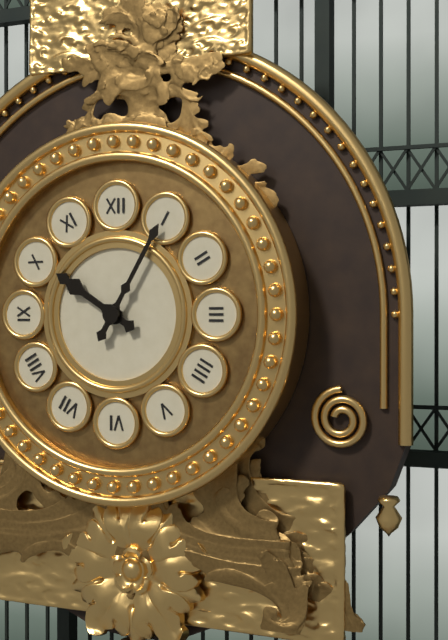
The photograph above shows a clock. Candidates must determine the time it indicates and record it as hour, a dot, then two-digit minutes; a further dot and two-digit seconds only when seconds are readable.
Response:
10.05
